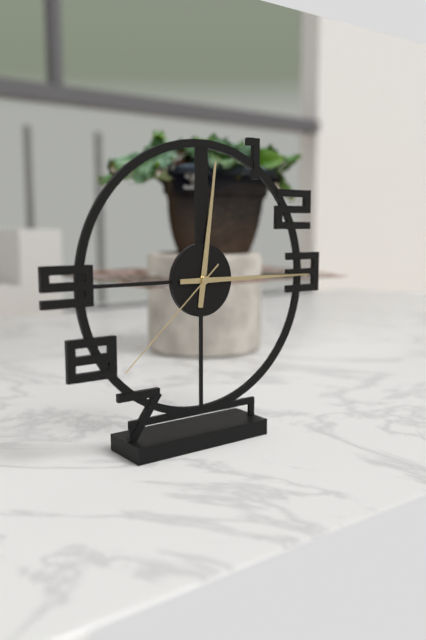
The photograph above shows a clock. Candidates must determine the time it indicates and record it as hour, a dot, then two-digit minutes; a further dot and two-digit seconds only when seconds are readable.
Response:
12.15.38
